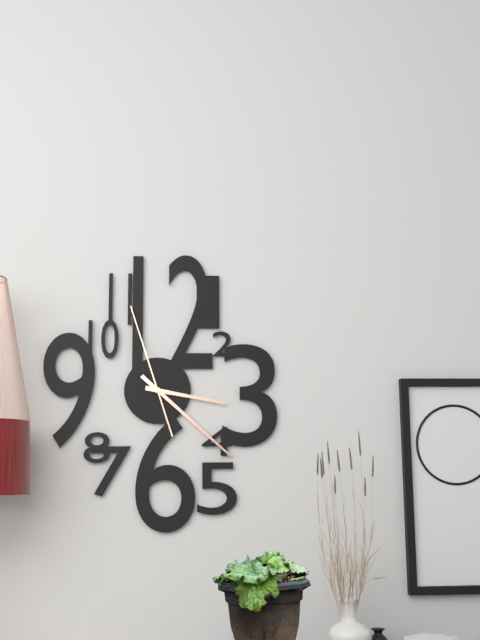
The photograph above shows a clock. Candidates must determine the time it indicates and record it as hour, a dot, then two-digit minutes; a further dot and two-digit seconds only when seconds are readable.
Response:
3.22.57
